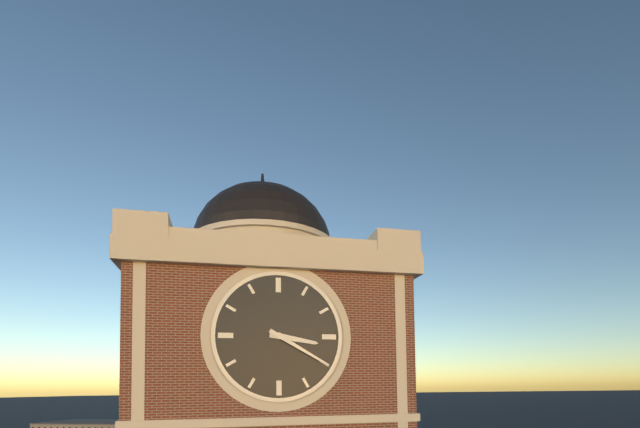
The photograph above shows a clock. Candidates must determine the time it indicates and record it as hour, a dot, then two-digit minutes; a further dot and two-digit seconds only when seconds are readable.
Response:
3.20
